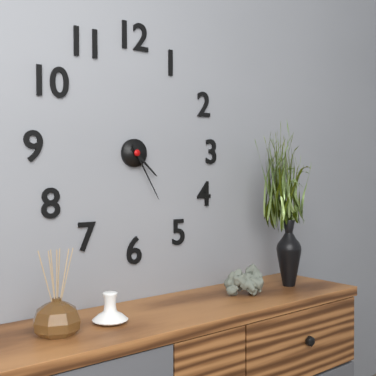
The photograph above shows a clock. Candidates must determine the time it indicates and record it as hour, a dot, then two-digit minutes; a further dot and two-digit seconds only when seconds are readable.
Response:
4.25
